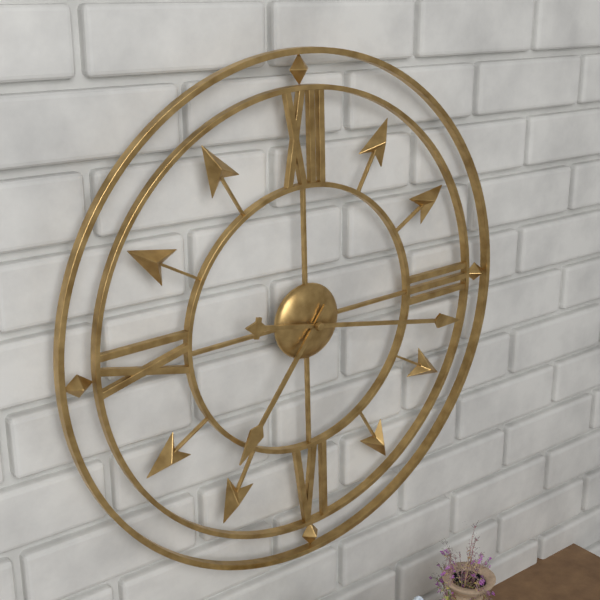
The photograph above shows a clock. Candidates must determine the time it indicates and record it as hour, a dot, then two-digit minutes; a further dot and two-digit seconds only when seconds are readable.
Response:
7.17
